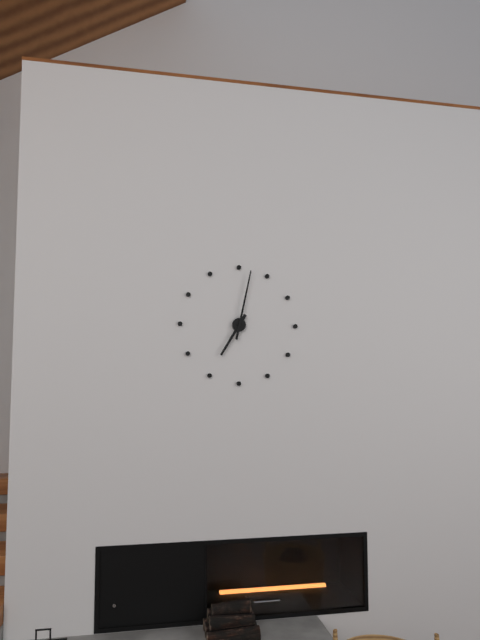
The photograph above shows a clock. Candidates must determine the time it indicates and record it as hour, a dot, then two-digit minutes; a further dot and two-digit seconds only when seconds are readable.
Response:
7.02
